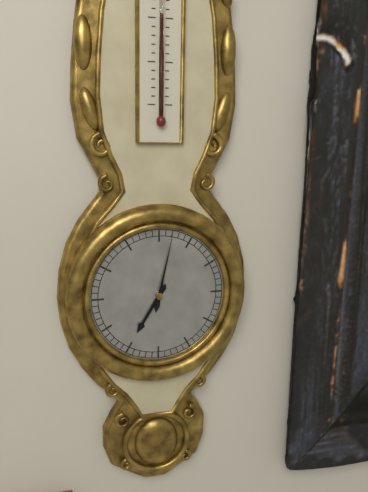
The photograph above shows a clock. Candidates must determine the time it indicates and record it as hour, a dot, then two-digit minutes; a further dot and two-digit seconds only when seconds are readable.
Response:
7.02
